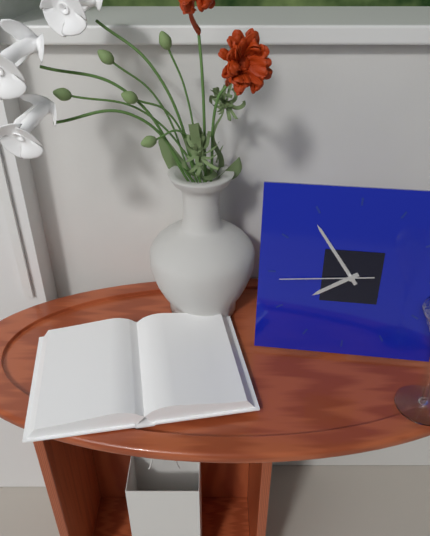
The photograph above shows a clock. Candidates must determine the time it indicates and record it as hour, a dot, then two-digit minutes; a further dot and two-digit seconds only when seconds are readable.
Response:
7.54.44
